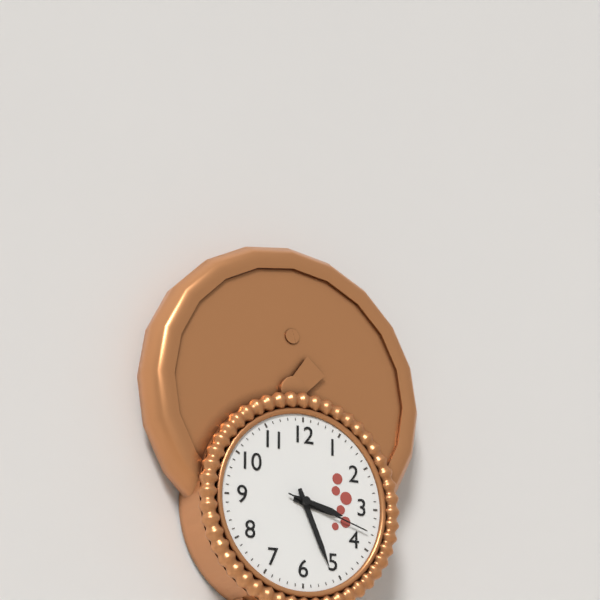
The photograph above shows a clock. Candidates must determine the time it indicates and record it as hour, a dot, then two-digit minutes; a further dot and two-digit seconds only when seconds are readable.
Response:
3.26.18
